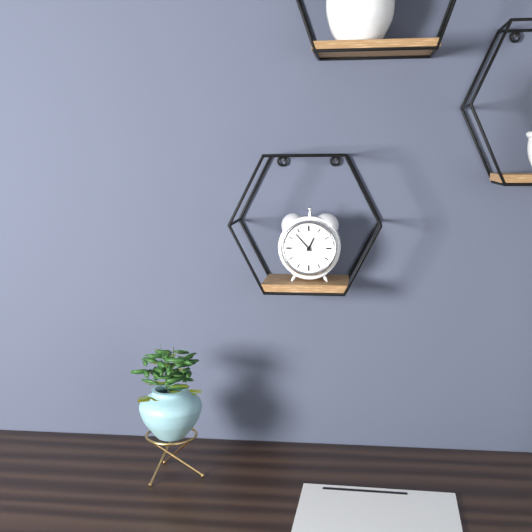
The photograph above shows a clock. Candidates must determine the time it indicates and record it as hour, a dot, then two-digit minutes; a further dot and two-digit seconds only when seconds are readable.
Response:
12.53
